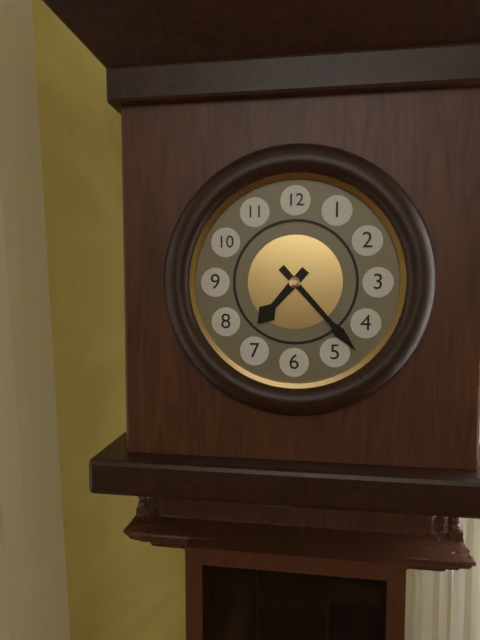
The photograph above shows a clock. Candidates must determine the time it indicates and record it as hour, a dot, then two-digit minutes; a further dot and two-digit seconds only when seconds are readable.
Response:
7.23
